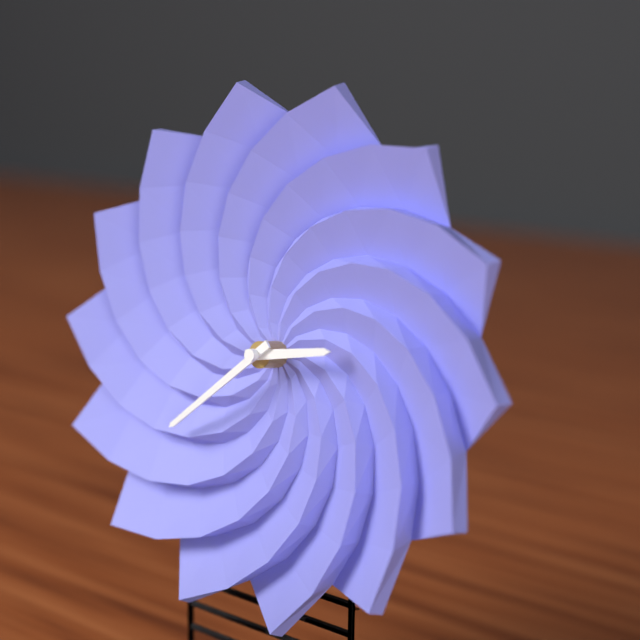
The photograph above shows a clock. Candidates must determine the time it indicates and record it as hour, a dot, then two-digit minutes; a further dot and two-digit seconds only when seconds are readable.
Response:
2.38
